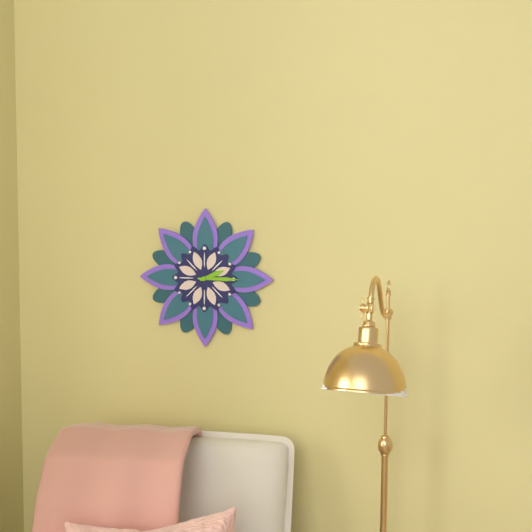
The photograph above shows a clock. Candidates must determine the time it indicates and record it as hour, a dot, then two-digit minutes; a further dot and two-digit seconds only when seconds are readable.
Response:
2.15
